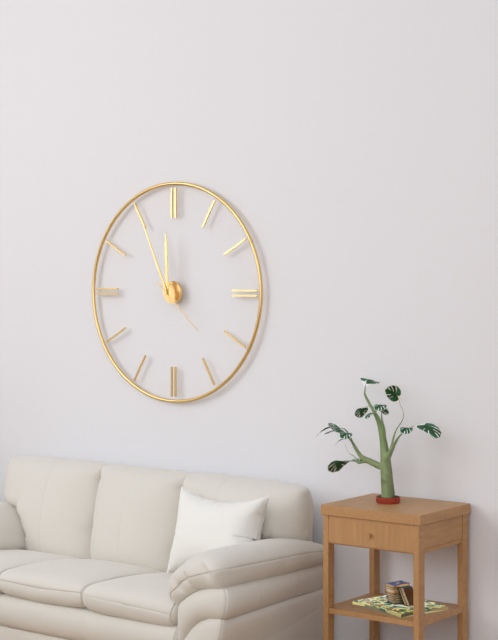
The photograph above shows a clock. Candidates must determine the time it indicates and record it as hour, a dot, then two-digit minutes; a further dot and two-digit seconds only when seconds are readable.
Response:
11.56.22
